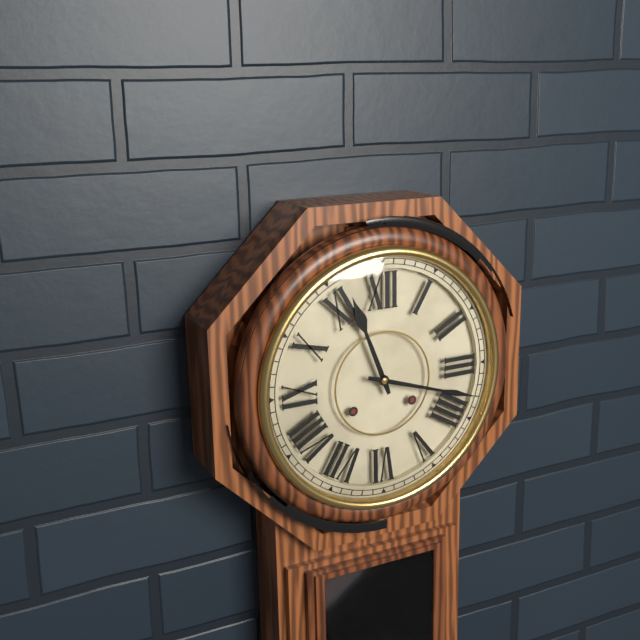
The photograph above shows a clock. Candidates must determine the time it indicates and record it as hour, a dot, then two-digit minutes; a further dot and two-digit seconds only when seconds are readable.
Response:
11.18
